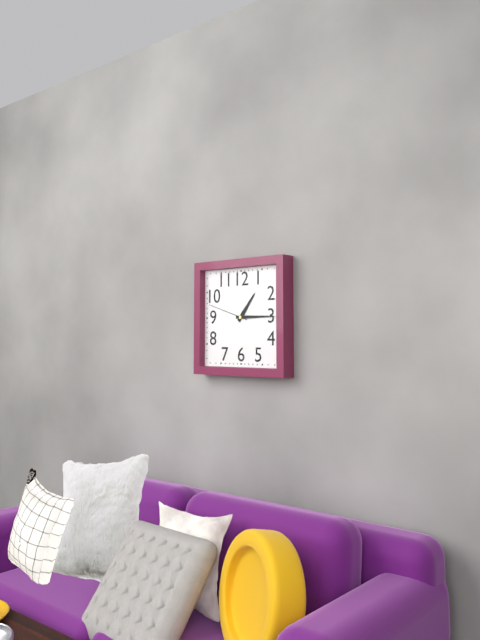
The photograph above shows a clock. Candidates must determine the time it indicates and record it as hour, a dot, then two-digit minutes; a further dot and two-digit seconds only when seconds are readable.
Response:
1.15
